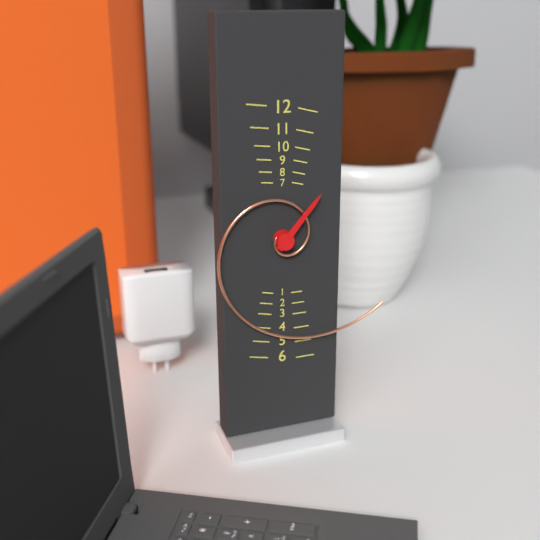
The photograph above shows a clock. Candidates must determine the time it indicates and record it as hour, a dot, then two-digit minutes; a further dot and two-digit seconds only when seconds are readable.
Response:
1.21
